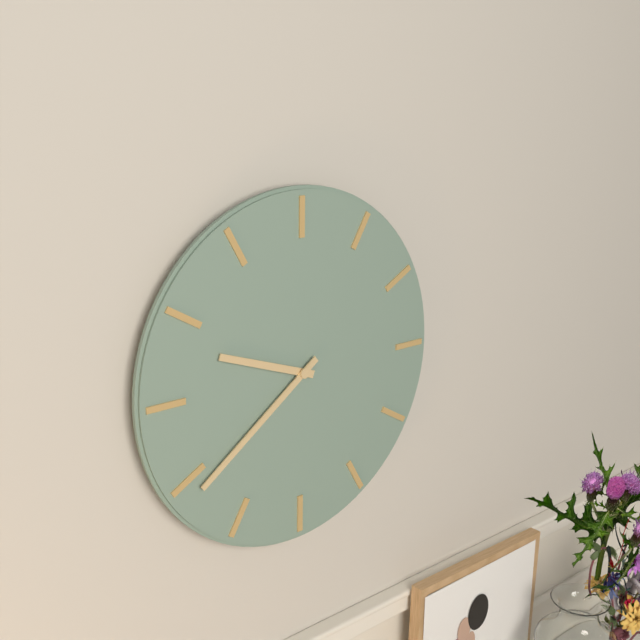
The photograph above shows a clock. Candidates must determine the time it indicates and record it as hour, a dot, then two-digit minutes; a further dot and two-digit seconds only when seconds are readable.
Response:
9.39
